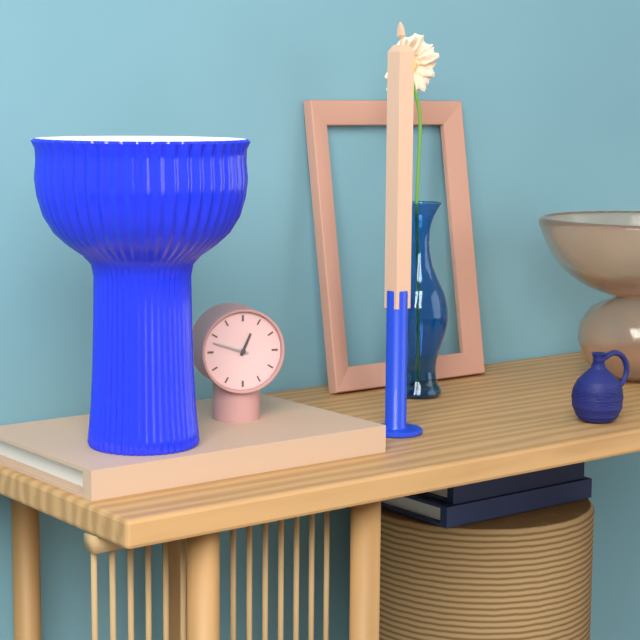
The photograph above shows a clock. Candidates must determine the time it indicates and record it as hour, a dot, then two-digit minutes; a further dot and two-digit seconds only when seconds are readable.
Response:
12.48
